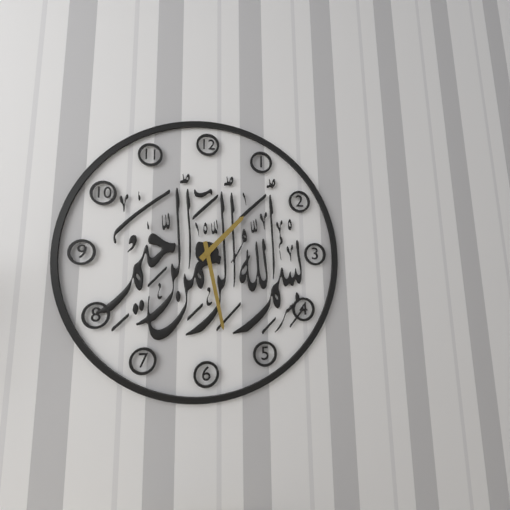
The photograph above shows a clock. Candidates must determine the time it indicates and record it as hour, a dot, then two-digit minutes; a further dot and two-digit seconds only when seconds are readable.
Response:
1.28
